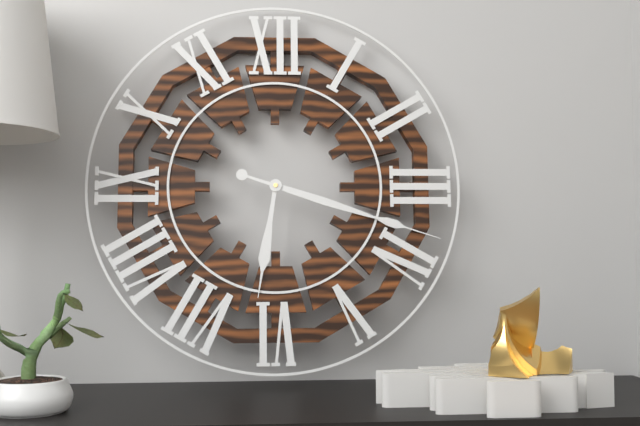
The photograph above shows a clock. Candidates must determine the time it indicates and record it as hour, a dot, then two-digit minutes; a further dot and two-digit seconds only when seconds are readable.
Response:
6.18
